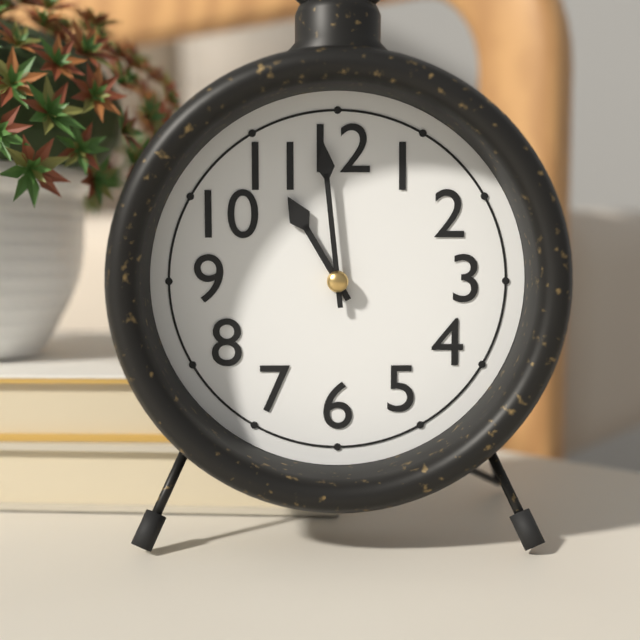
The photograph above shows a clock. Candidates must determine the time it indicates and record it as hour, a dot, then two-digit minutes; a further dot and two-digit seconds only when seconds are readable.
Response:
10.59
